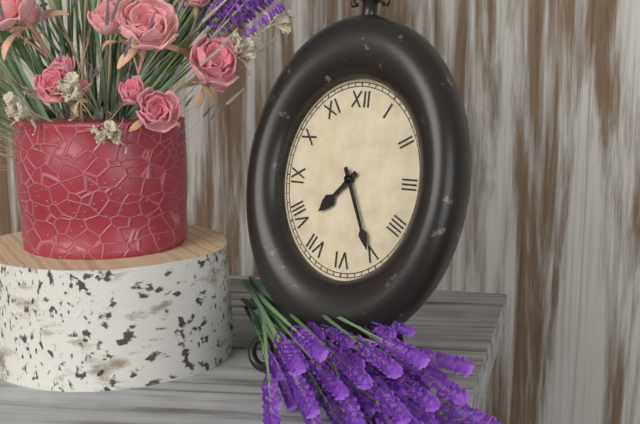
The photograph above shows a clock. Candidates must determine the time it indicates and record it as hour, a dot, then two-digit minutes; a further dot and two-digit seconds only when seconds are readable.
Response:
7.26
